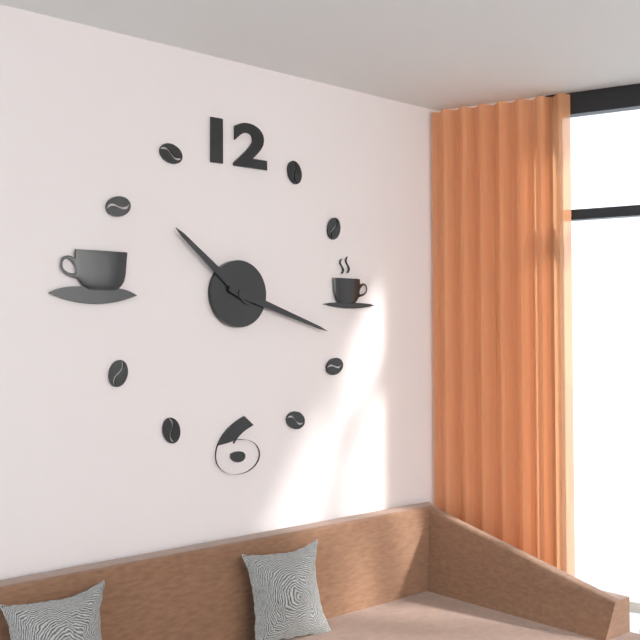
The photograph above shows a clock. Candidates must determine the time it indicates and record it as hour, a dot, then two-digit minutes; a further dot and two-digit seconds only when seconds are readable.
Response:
10.18
